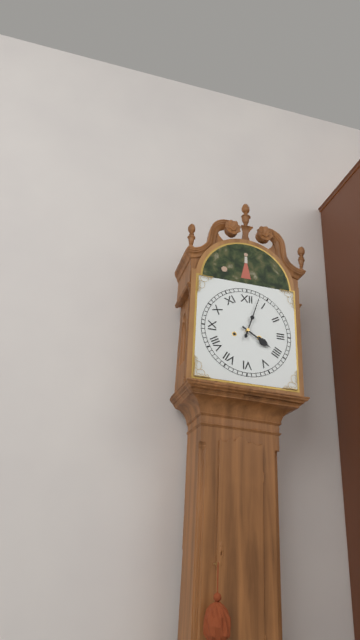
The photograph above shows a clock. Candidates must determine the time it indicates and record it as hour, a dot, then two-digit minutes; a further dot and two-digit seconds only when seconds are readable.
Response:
4.03
